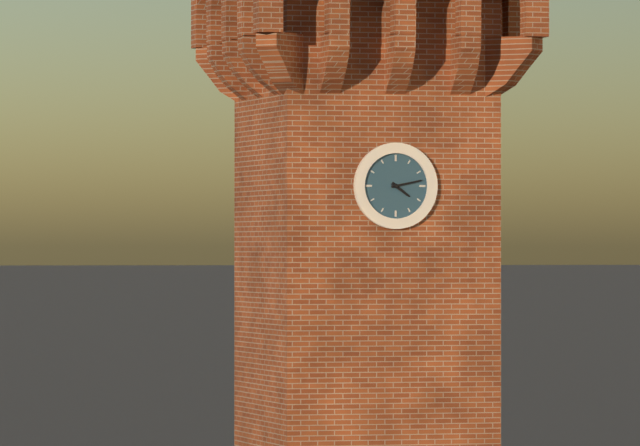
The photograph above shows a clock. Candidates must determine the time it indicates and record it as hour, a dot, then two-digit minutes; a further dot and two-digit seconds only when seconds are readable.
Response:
4.13
